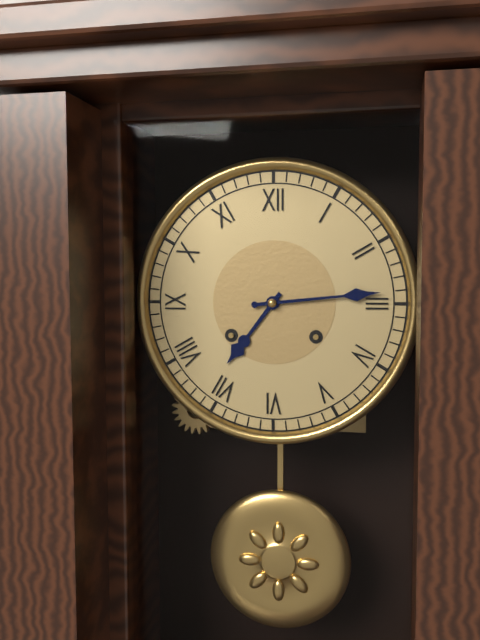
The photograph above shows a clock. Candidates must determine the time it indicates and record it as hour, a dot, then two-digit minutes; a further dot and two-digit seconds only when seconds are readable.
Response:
7.14
